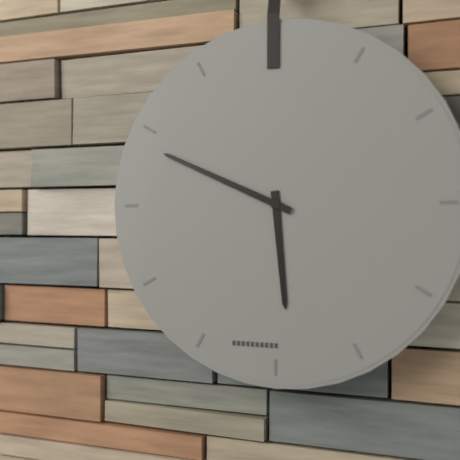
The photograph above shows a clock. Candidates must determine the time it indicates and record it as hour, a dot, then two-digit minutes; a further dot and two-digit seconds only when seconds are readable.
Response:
5.49
